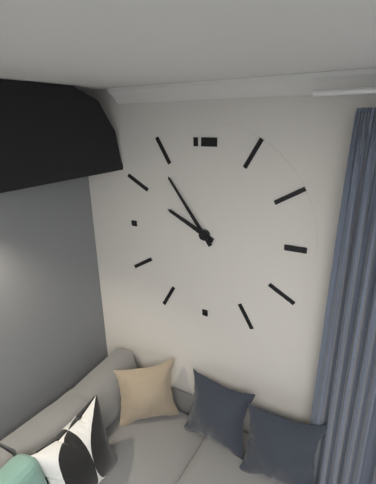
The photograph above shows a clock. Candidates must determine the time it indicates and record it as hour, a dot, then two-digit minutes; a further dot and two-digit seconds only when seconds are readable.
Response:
9.54
